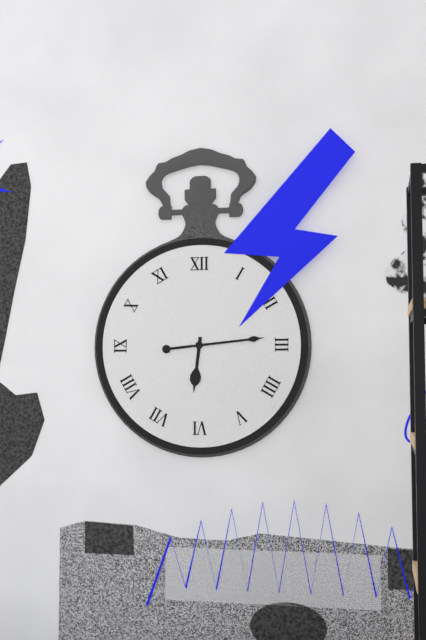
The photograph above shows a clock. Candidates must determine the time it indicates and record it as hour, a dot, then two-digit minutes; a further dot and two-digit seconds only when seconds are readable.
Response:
6.14
